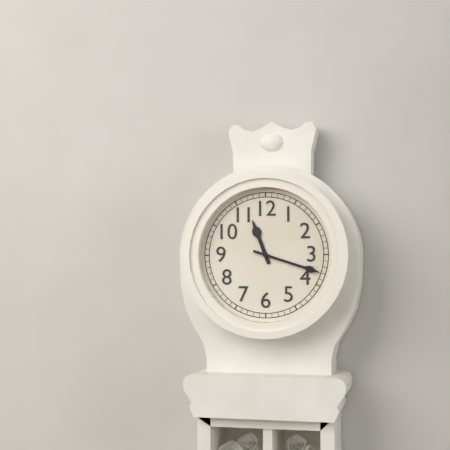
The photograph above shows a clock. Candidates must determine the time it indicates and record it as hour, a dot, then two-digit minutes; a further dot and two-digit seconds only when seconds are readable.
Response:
11.18
